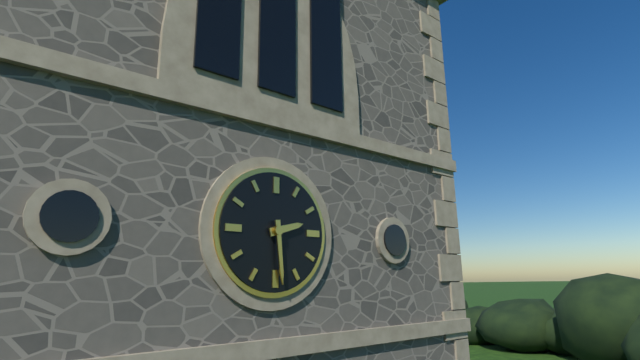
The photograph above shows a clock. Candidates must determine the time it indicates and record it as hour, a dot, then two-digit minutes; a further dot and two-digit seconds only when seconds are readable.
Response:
2.29
